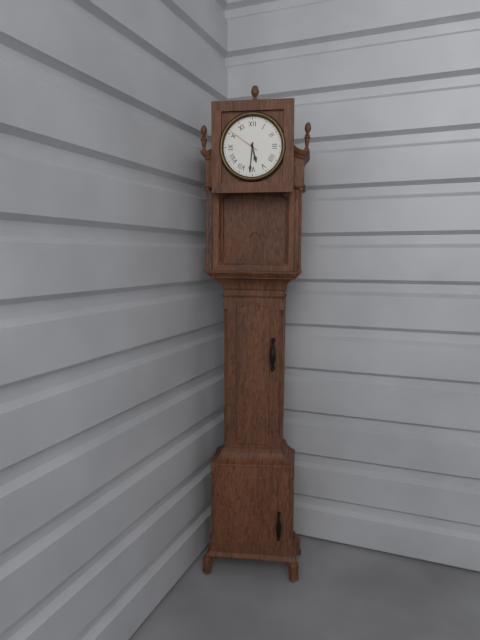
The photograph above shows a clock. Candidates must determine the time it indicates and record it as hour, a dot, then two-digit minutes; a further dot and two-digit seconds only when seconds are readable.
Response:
5.31
